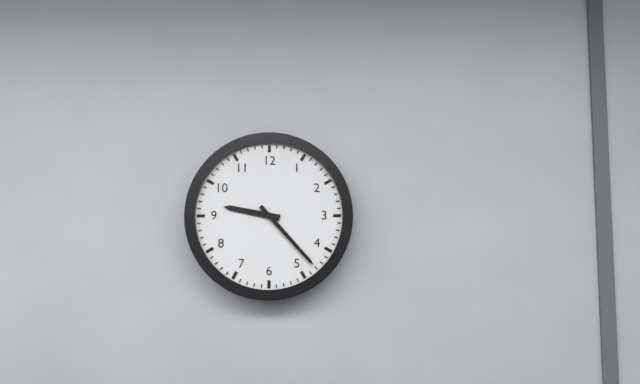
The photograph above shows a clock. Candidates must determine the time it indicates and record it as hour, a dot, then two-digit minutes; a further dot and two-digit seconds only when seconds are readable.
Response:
9.23
